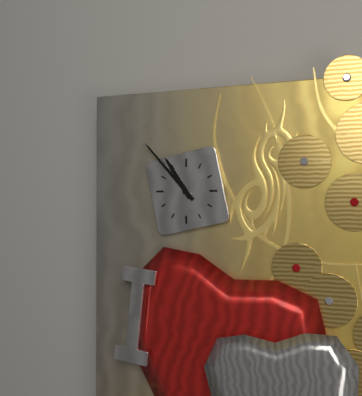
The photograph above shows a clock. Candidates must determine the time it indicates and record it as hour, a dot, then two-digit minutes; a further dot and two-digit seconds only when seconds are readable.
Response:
10.53
